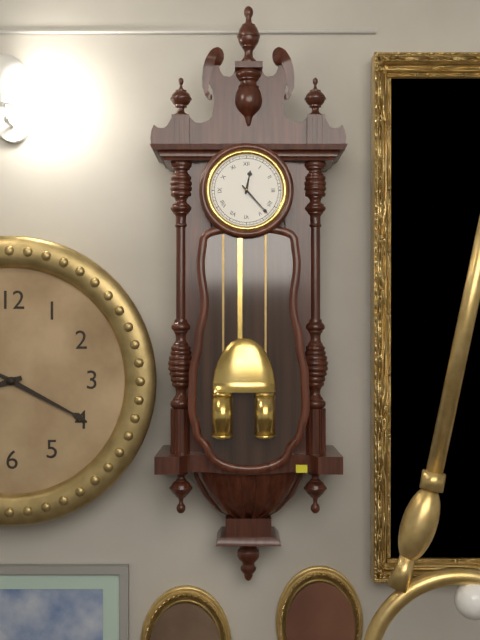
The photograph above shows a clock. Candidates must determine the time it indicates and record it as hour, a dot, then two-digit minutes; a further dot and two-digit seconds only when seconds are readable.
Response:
12.23
